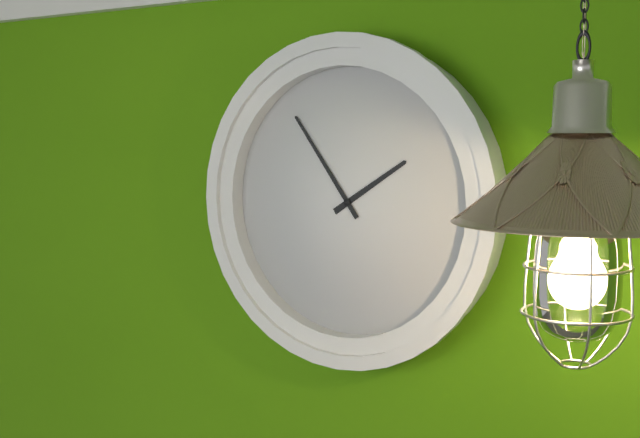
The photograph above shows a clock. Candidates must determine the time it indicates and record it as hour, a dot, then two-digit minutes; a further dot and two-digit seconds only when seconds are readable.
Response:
1.54
